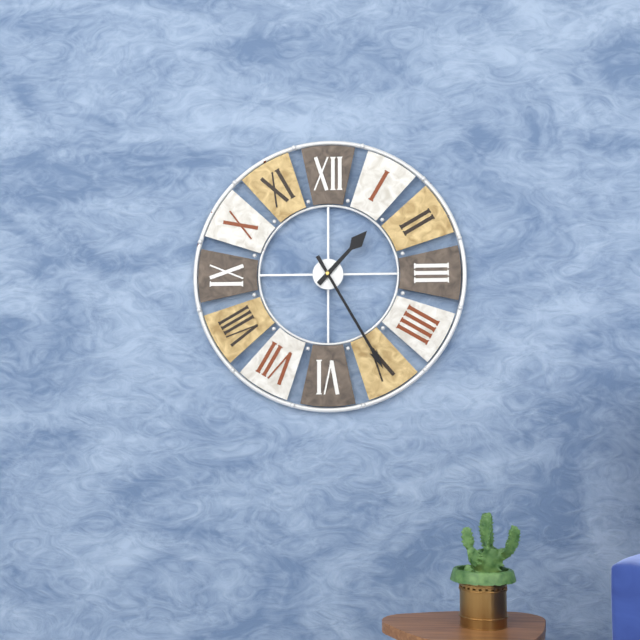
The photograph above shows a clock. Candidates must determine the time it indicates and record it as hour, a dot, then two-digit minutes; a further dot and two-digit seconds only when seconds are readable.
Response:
1.25
